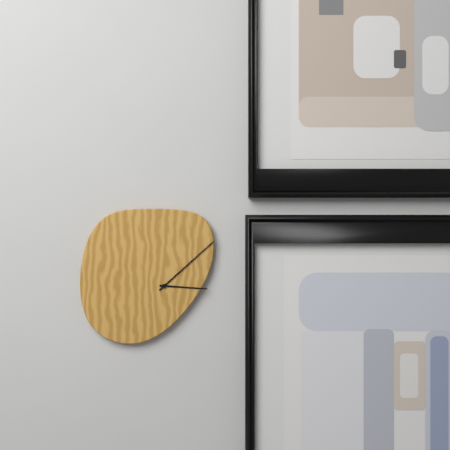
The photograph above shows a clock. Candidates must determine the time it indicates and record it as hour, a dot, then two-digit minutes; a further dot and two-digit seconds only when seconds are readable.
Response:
3.08
